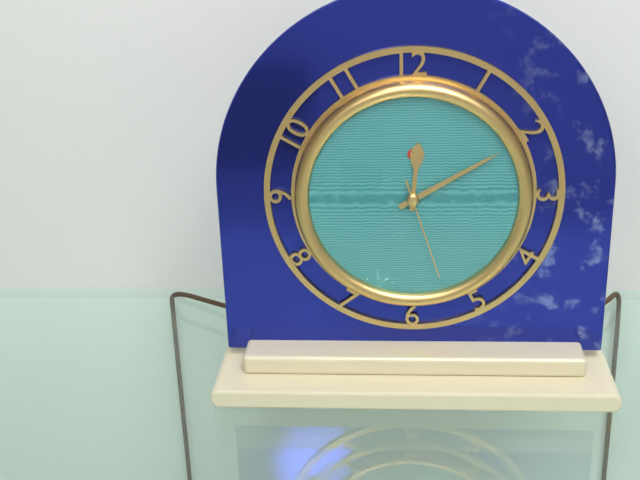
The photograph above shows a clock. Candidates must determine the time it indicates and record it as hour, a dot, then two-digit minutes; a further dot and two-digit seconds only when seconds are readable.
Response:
12.10.27
